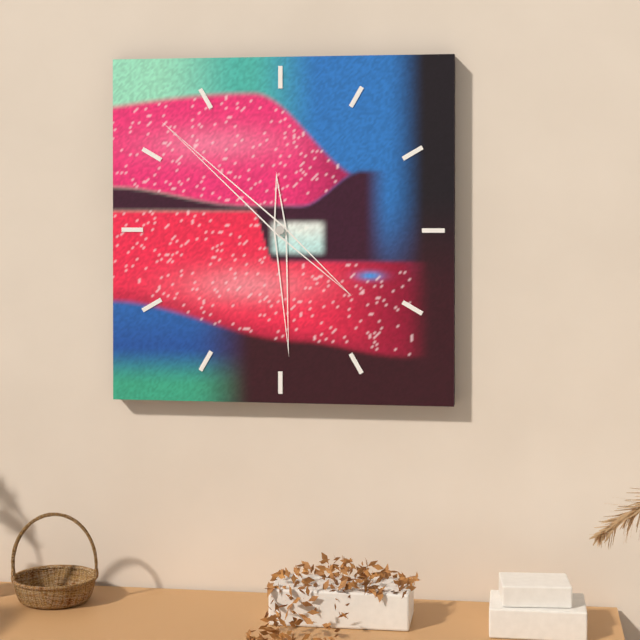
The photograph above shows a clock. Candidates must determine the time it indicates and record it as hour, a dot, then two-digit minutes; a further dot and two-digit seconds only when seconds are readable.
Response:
5.52
